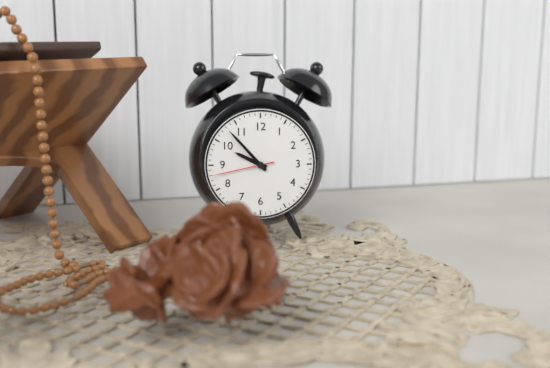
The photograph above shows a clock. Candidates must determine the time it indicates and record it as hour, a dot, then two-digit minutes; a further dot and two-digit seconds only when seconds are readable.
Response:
9.53.43
